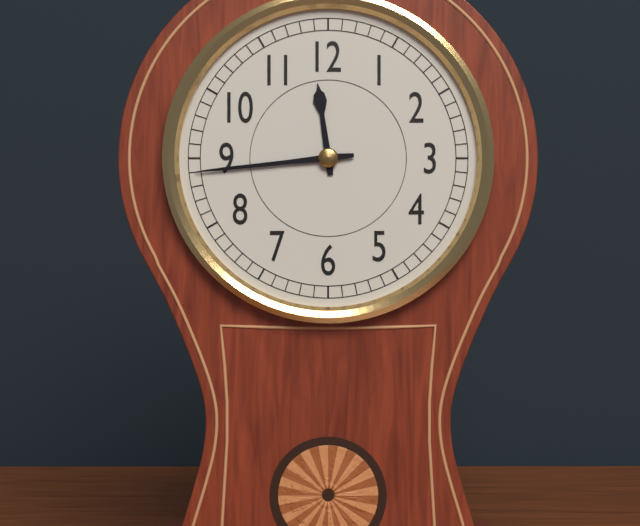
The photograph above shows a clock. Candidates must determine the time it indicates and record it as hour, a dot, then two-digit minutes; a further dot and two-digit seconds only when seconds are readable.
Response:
11.44
